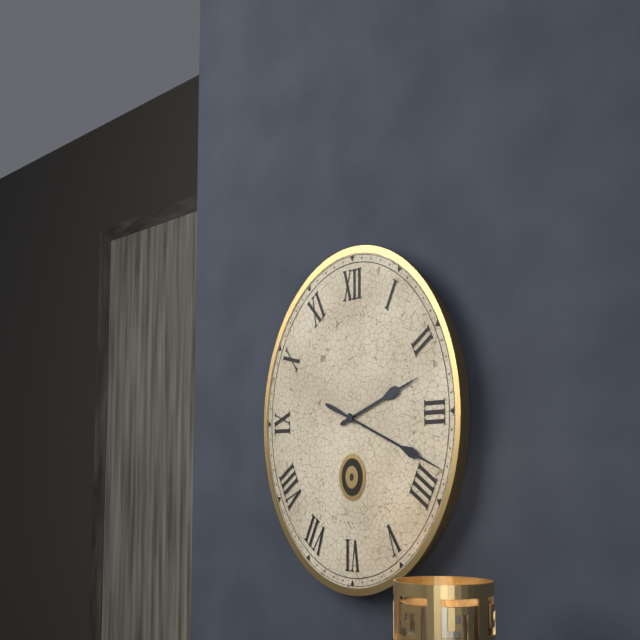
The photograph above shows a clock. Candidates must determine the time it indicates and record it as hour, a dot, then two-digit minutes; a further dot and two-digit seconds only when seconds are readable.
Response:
2.19
